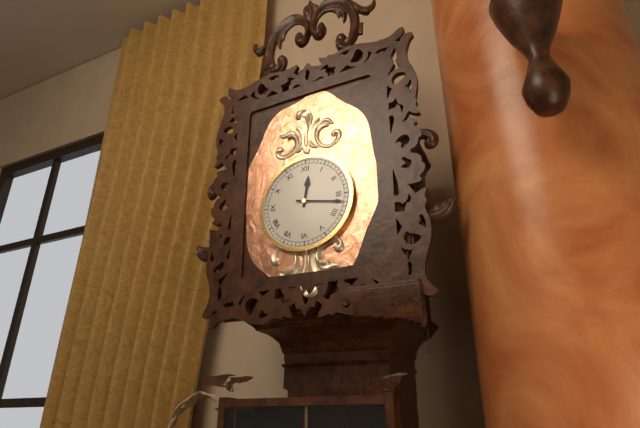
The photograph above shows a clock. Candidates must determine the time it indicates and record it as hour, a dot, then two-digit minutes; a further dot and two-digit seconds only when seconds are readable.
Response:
12.17
